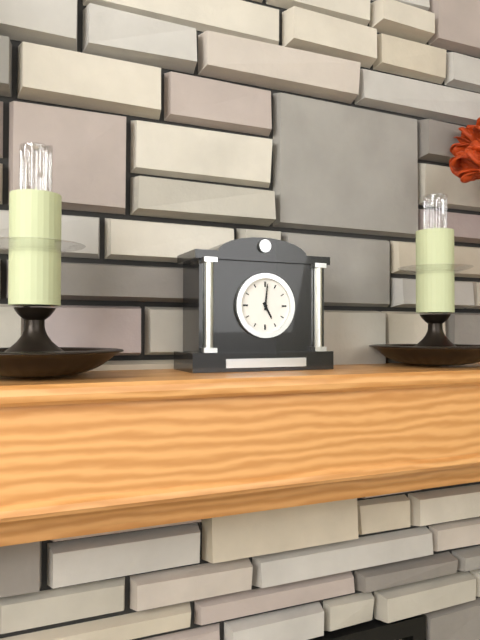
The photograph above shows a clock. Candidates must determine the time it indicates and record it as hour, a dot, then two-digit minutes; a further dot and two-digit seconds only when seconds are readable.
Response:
5.01
